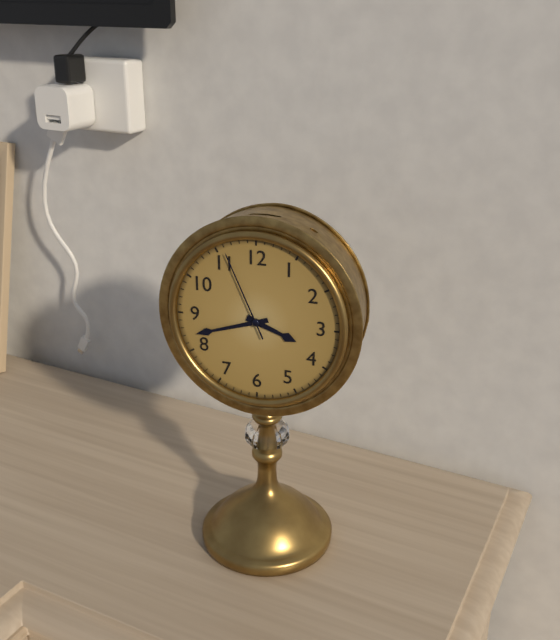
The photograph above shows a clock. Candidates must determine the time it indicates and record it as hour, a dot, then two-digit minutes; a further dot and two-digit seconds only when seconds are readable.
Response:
3.42.56
